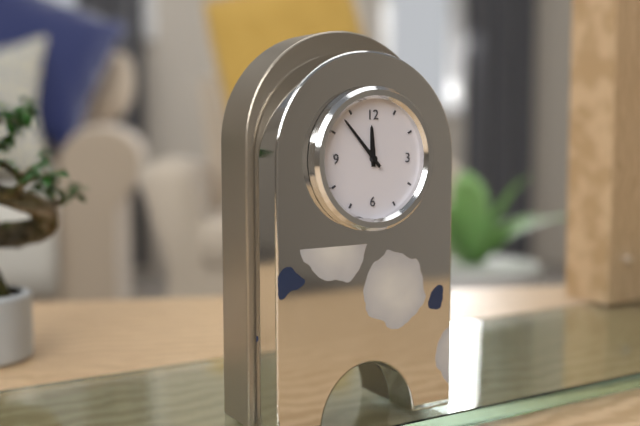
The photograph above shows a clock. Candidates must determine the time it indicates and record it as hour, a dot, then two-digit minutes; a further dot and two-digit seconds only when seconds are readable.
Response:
11.53
